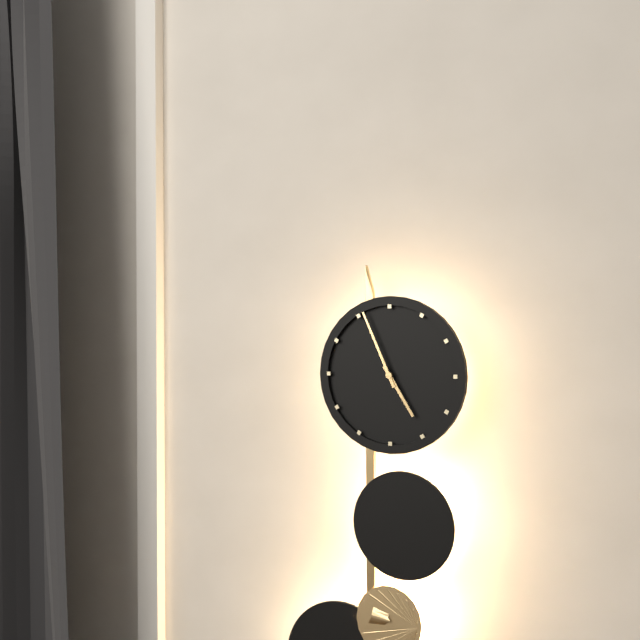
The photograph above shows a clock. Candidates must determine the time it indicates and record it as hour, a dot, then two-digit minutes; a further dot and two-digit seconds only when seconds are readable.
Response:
4.56
